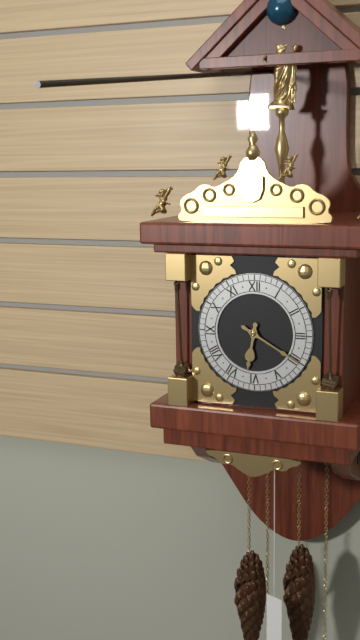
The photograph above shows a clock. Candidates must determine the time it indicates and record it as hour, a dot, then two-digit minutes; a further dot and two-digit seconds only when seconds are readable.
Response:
6.20
